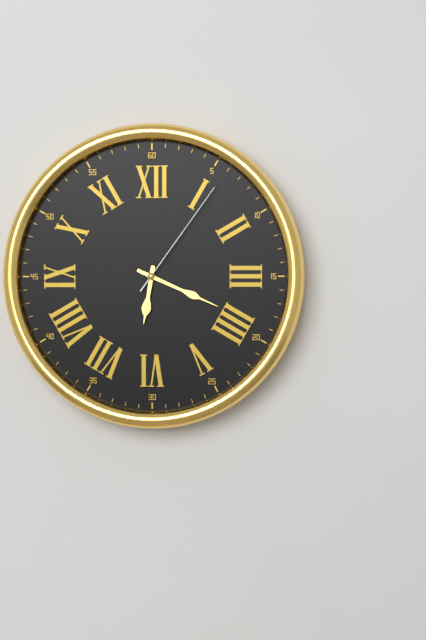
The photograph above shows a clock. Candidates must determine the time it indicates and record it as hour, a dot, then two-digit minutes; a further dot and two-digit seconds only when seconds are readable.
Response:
6.19.06
